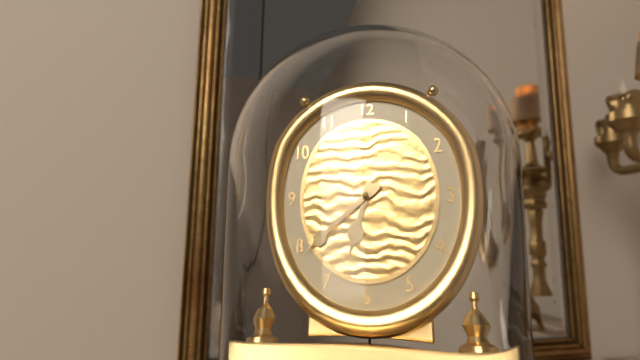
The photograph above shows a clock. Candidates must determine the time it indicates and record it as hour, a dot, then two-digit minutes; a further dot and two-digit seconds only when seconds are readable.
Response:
6.39
